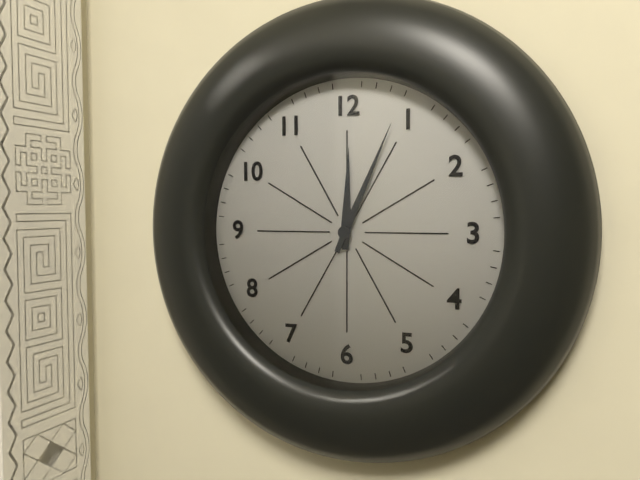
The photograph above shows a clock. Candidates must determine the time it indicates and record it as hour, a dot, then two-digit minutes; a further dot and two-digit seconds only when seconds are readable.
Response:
12.04
